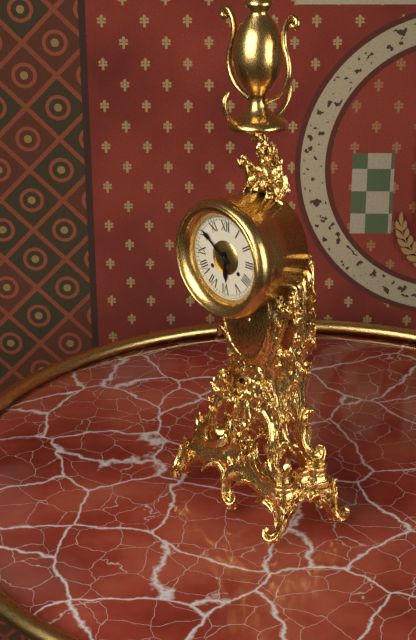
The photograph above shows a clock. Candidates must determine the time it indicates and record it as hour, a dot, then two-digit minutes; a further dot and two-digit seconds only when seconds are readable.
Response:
5.51
